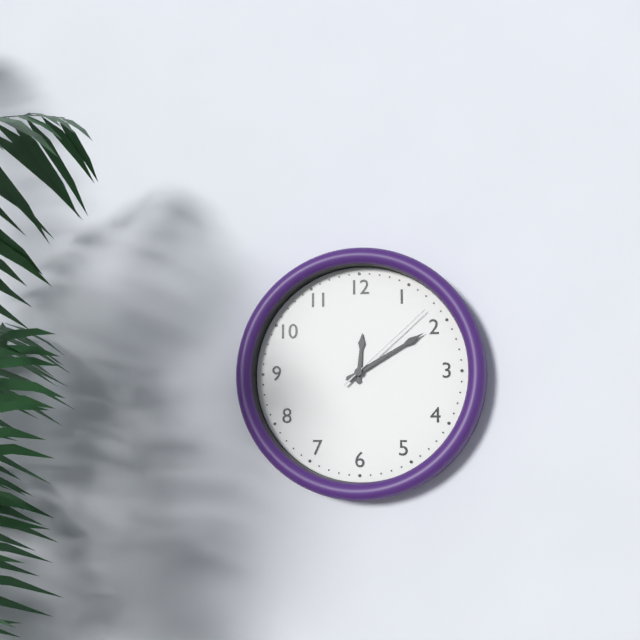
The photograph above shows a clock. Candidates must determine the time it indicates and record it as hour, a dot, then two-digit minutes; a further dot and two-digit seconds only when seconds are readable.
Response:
12.10.08
